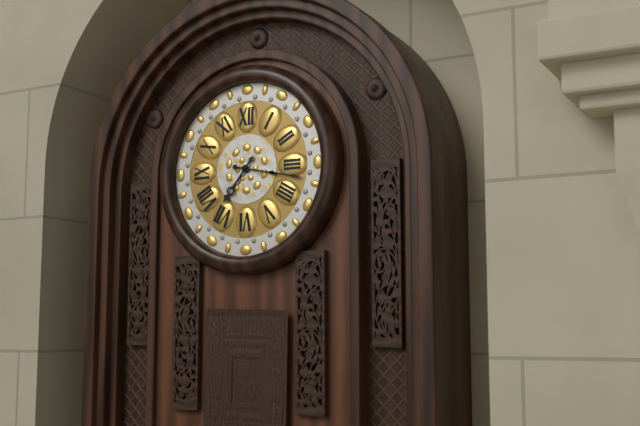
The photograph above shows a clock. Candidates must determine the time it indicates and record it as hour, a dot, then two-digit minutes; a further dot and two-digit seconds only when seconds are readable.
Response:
7.17
